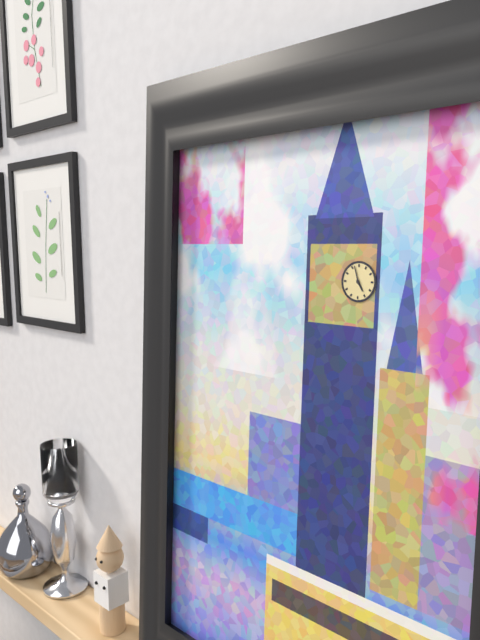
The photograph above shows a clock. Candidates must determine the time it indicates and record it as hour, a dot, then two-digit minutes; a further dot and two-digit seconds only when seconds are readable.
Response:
4.57
